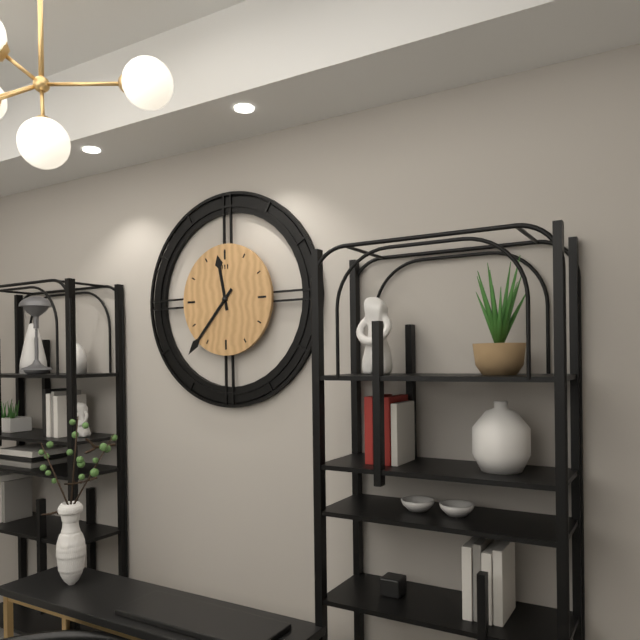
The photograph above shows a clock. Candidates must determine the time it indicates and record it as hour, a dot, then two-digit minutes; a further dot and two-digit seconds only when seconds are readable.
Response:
11.37
